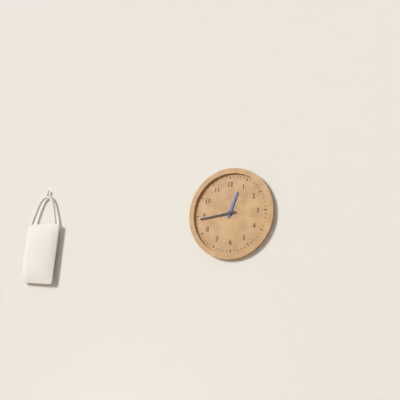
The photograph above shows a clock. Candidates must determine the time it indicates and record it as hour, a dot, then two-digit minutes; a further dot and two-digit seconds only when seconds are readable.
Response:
12.44
